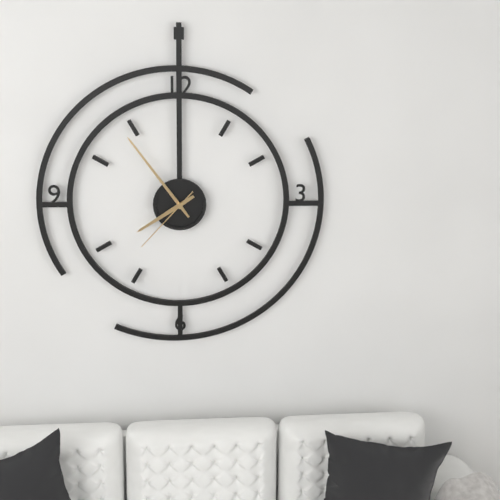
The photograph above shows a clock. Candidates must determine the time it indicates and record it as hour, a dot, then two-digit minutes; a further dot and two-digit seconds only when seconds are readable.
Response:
7.54.37
